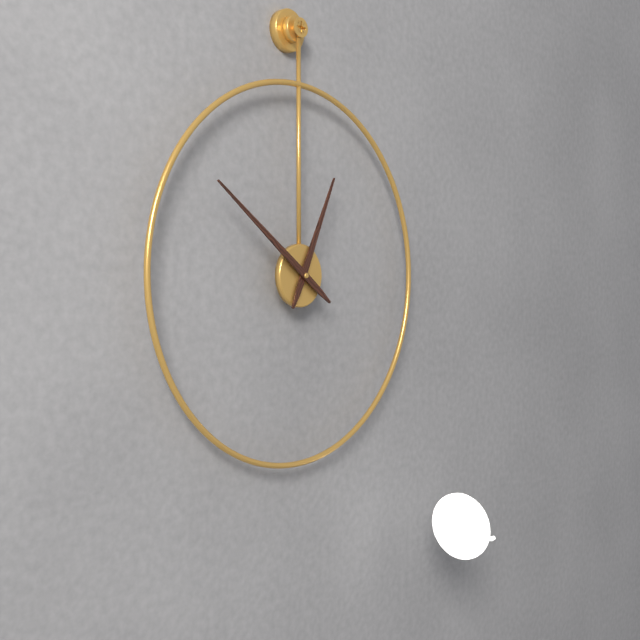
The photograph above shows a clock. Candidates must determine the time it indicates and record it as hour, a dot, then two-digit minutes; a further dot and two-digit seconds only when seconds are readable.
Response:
12.51
